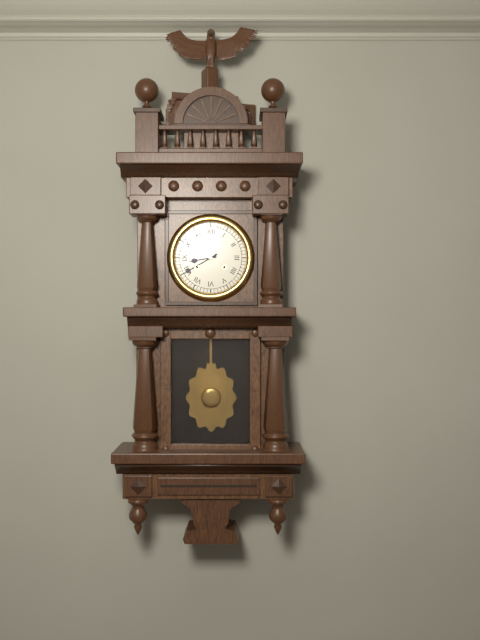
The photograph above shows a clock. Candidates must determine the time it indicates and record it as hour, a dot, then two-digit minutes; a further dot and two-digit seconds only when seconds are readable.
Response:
8.40
